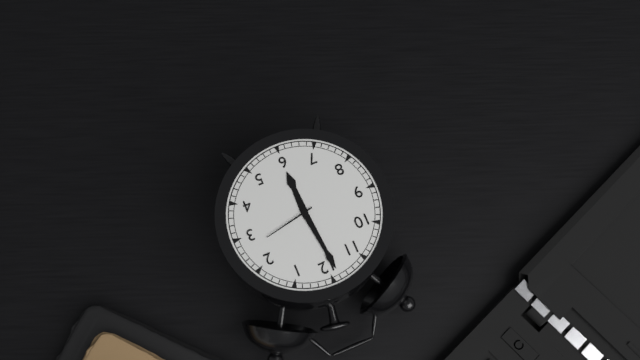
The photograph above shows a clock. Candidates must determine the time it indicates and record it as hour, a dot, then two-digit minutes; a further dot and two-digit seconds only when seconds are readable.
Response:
5.59
